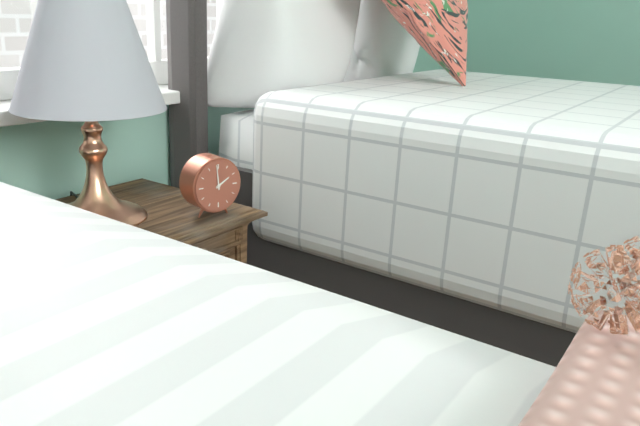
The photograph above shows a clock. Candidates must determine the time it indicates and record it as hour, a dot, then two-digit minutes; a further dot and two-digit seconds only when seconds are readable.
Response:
1.59
